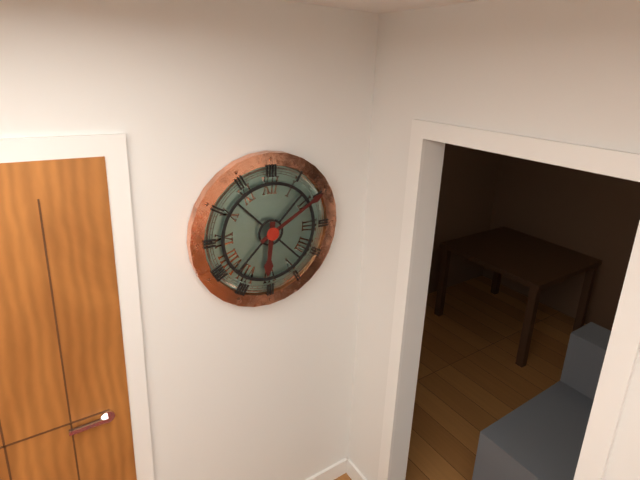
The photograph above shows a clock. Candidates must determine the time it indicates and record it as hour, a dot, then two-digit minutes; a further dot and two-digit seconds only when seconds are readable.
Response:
6.10
